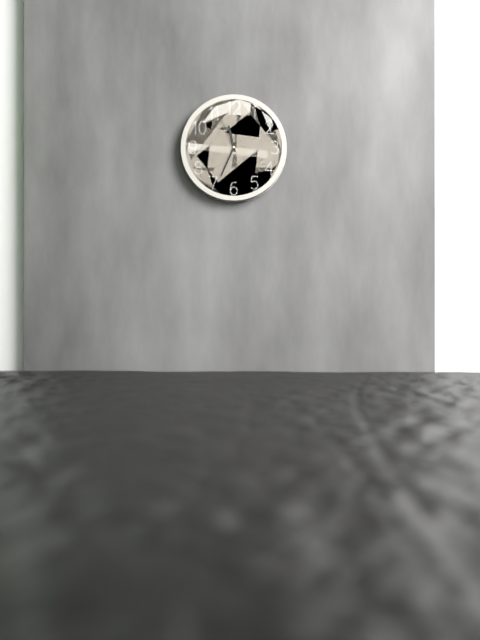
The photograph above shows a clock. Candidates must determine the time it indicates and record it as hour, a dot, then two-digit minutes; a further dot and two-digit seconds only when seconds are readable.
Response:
11.34
